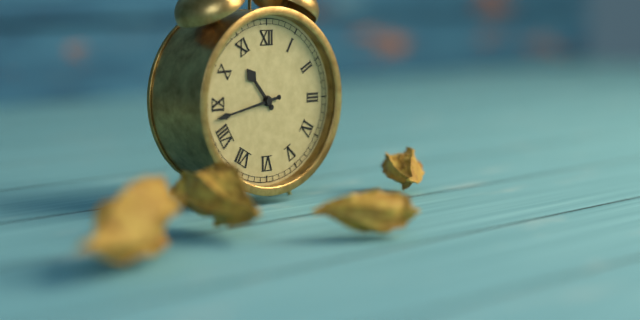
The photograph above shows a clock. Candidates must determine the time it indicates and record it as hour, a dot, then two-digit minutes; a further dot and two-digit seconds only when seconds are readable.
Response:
10.43
